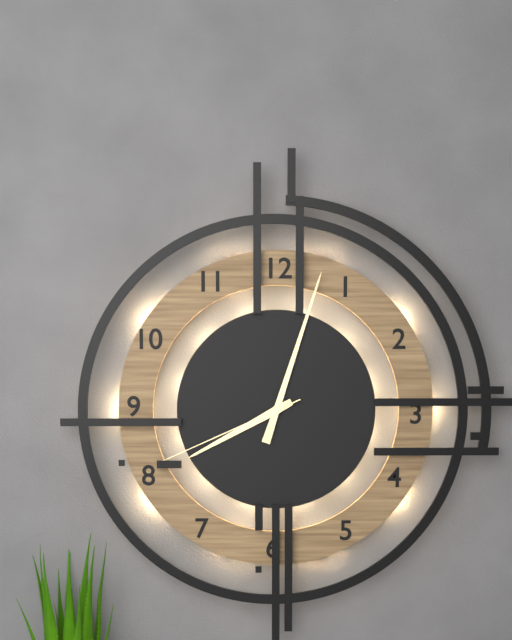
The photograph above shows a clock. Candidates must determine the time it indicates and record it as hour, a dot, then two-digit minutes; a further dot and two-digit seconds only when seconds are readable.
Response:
8.03.41
